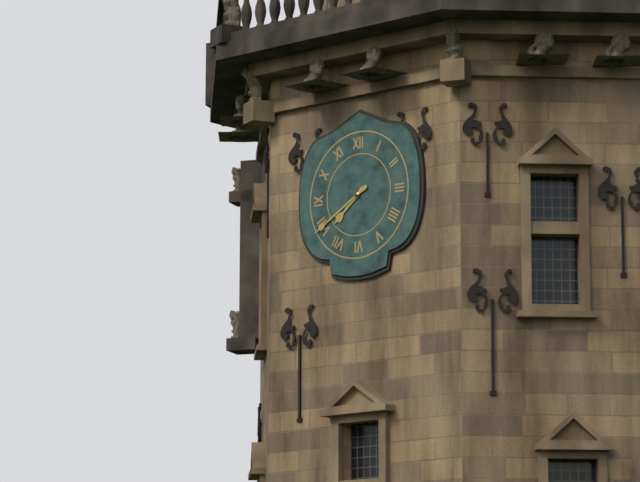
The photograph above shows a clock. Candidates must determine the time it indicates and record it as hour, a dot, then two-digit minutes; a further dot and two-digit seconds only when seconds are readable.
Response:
7.40
